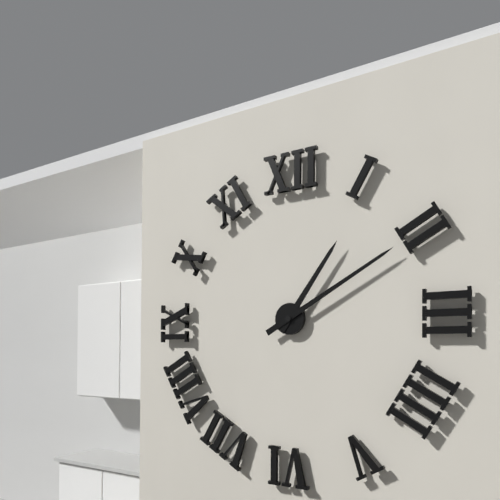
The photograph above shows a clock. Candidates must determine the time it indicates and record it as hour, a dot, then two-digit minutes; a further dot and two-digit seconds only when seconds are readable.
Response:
1.10
